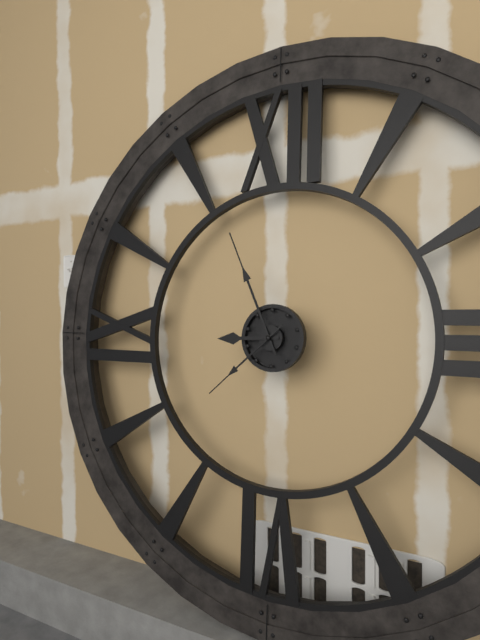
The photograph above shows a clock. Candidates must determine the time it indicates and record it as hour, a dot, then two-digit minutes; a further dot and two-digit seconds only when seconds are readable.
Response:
8.56.38
